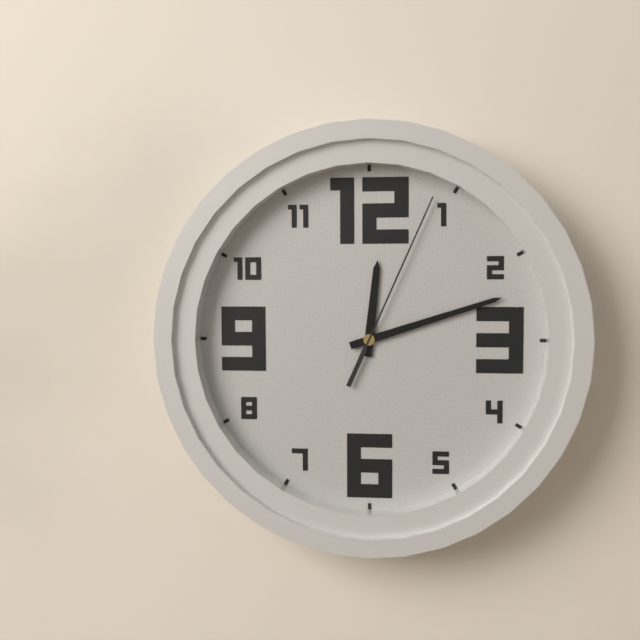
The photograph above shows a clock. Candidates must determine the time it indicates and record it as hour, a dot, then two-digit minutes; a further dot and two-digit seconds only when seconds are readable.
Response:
12.12.04
